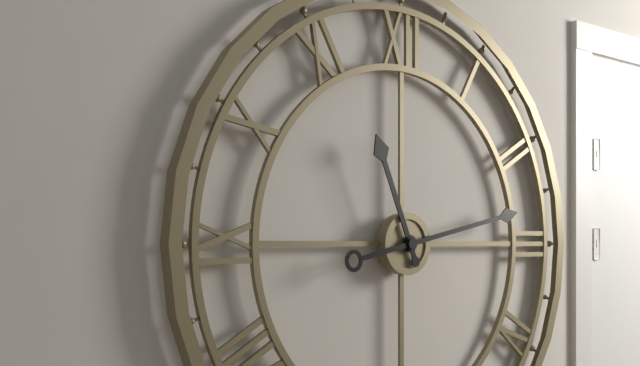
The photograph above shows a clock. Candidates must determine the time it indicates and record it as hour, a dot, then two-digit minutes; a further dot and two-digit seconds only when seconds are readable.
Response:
11.13
